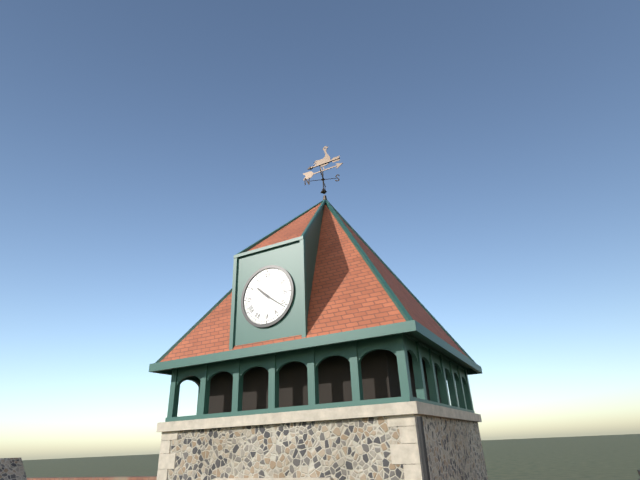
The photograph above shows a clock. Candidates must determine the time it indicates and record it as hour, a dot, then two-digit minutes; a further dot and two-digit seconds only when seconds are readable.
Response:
10.21
